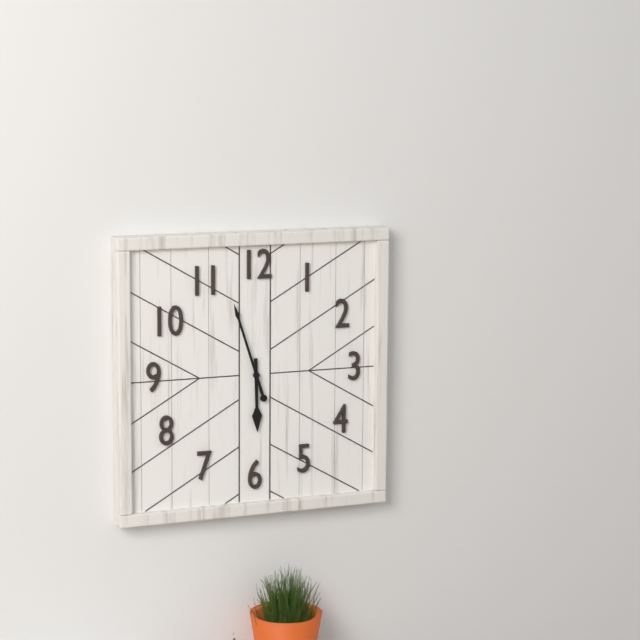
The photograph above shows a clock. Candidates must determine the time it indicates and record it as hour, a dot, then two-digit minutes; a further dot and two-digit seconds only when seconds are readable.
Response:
5.57
